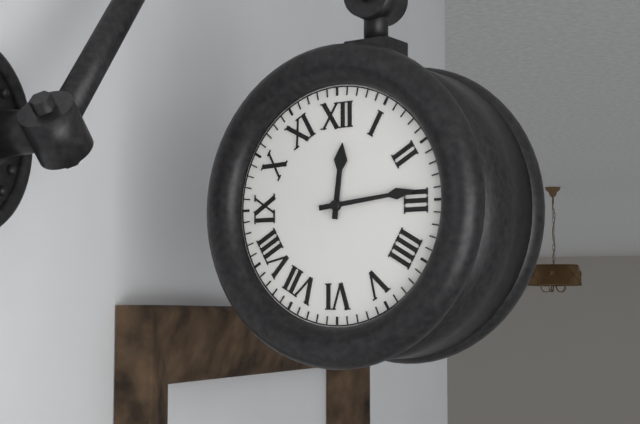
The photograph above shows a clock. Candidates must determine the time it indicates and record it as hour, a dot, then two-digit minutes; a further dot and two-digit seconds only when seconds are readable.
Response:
12.14
